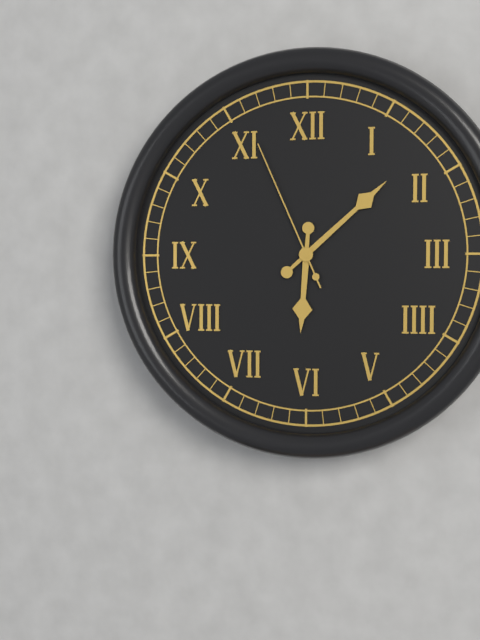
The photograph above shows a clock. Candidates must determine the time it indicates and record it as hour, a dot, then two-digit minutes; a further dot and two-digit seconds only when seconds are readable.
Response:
6.08.56
